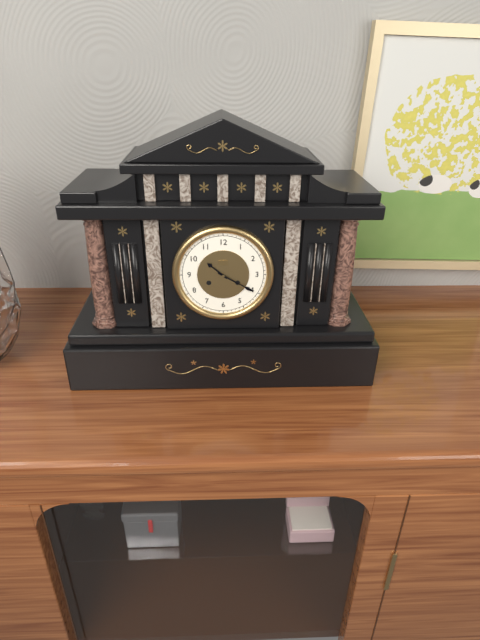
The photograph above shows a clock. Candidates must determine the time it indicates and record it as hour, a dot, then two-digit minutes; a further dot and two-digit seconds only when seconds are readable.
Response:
10.20
